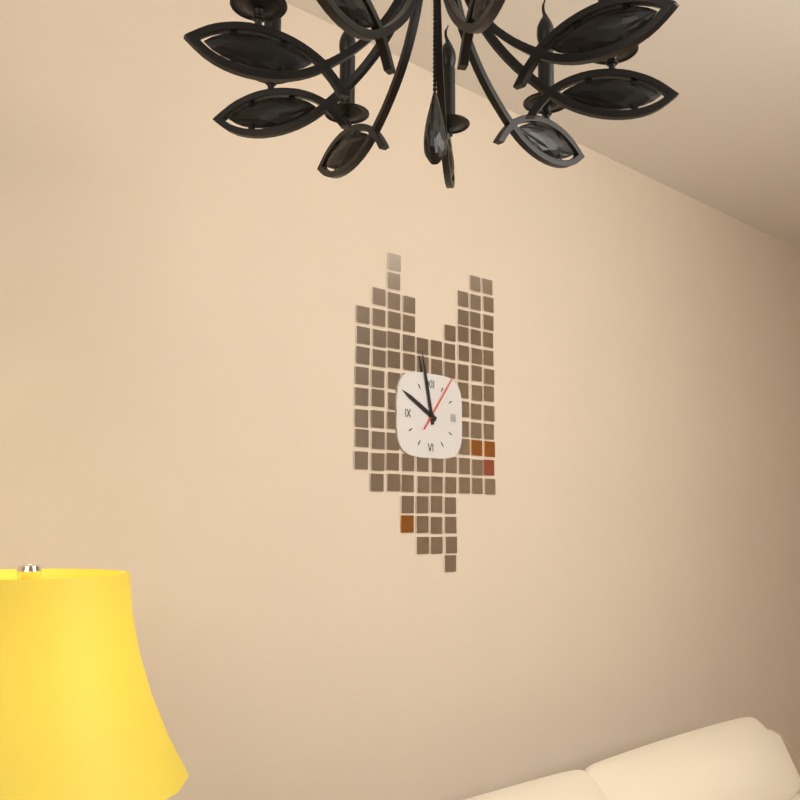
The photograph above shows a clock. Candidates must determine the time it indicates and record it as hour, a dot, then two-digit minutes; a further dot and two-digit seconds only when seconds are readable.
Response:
9.58.06
